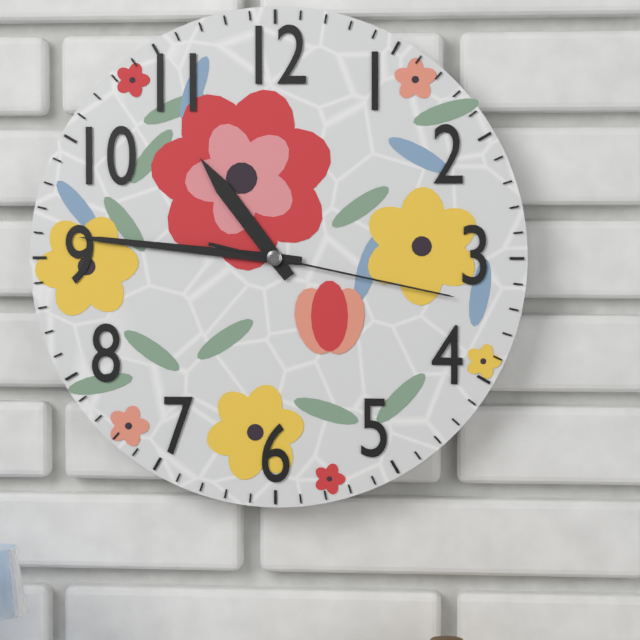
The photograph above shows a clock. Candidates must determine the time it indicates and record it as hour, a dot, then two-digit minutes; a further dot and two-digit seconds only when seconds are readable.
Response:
10.46.17
